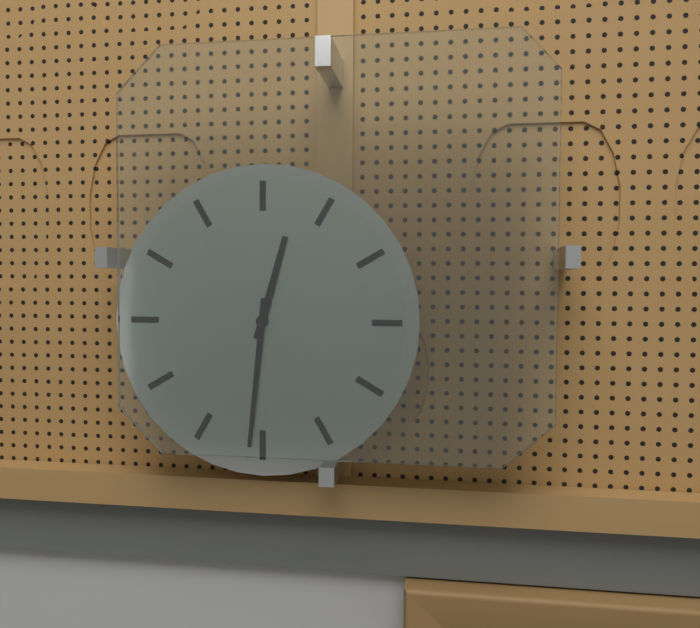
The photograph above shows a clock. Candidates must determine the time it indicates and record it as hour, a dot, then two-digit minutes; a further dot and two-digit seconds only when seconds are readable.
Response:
12.31
